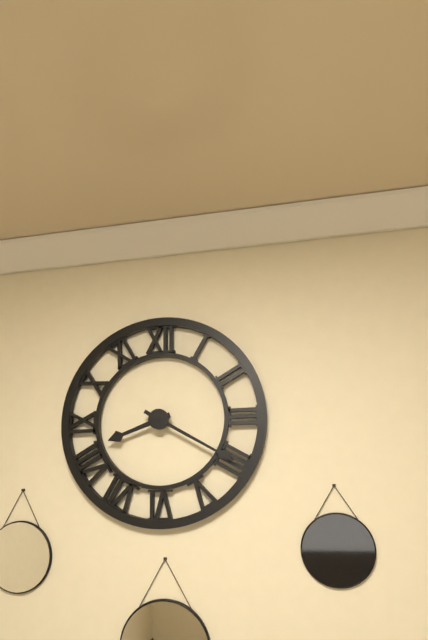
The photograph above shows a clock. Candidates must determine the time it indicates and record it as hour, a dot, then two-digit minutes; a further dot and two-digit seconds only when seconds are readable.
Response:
8.20
